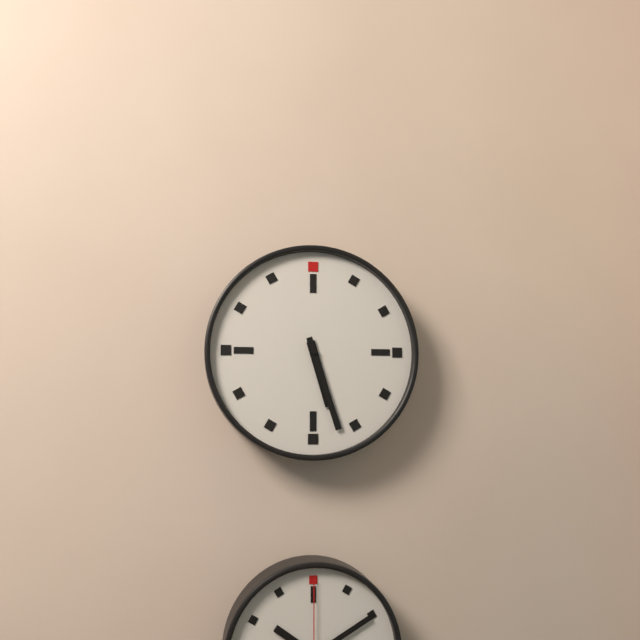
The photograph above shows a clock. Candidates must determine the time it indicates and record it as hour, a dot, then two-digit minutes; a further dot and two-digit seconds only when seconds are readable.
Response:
5.27
